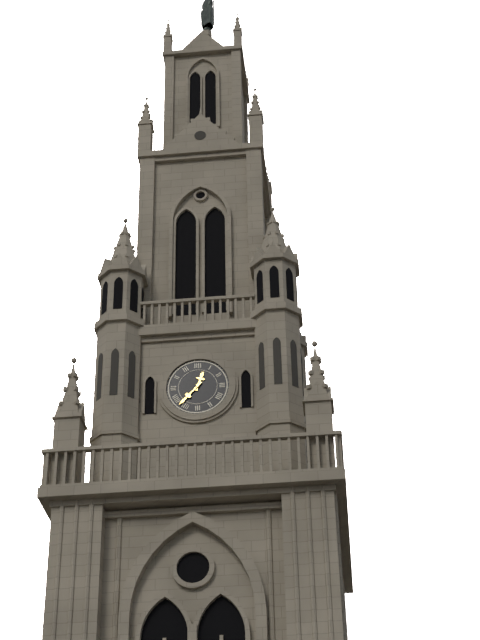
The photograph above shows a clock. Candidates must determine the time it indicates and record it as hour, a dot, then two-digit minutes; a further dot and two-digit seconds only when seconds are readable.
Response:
12.37
